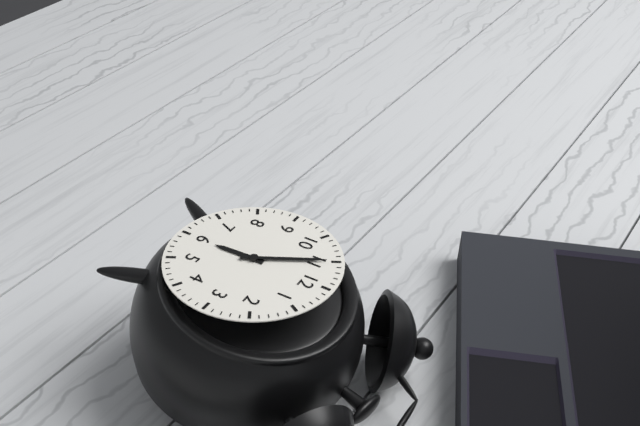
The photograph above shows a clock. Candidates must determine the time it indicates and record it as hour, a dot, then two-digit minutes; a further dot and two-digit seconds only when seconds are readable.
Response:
5.55
